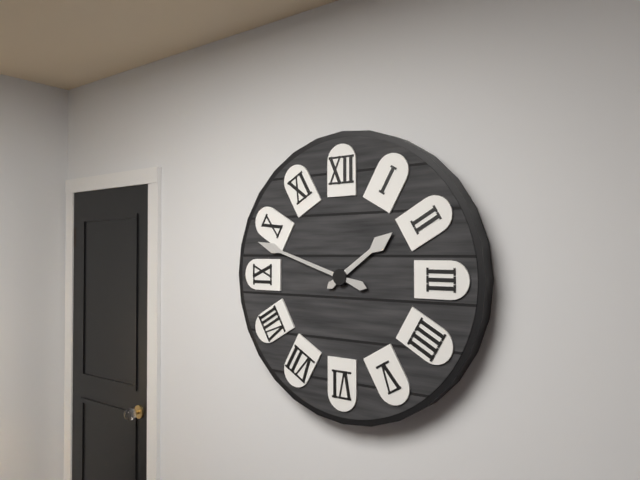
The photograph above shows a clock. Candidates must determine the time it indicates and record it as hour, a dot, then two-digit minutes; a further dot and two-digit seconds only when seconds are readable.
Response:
1.48
